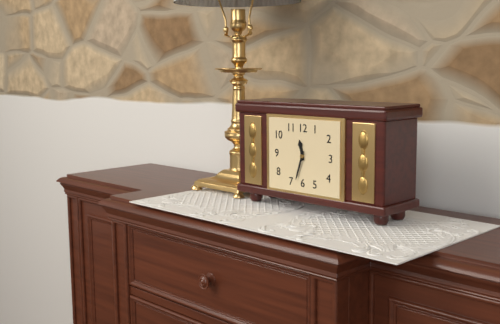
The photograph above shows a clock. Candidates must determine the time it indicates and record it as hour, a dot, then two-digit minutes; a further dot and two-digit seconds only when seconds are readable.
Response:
11.33
